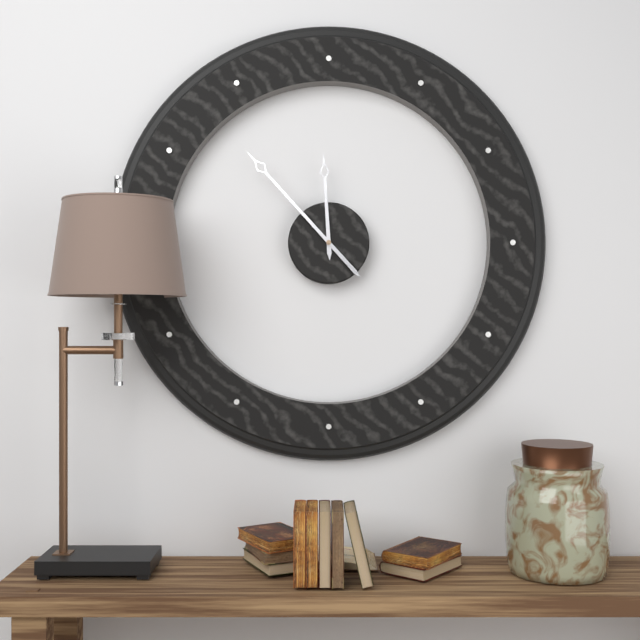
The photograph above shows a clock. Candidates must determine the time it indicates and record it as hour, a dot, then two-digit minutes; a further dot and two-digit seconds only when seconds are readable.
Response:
11.53
